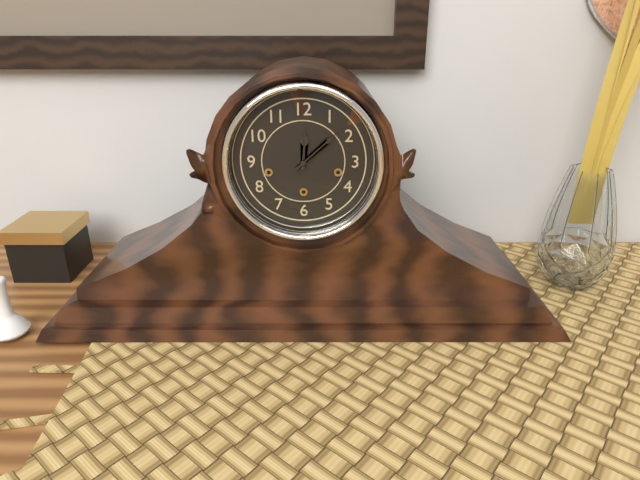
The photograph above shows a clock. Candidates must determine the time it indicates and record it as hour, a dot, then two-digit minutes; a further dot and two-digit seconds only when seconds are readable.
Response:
12.08
